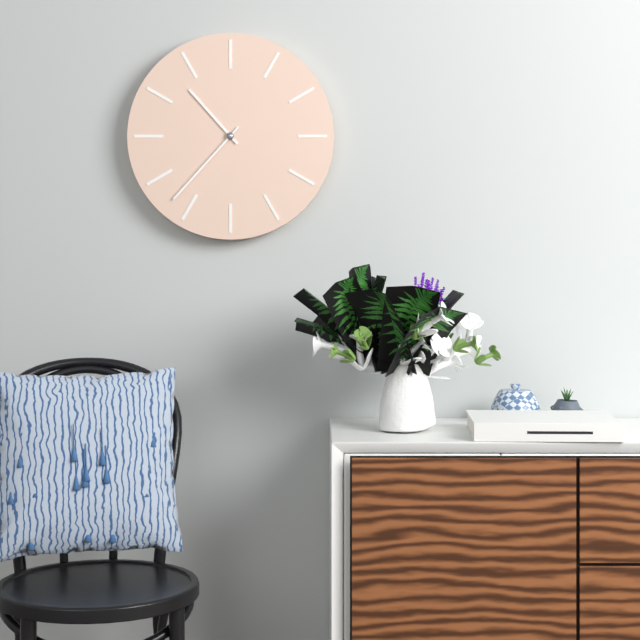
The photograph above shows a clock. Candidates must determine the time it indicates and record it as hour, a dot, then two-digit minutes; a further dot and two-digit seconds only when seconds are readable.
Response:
10.37
